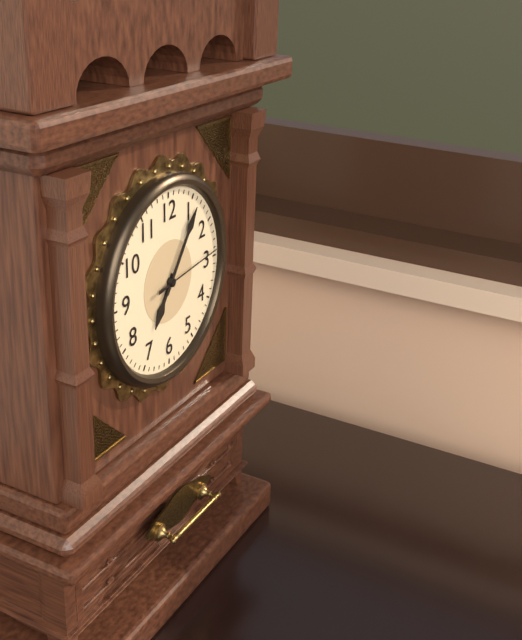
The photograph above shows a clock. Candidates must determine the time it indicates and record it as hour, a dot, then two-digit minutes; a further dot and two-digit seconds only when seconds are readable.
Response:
7.06.14
